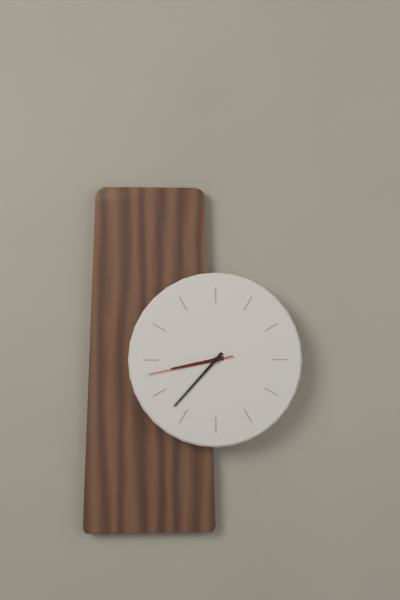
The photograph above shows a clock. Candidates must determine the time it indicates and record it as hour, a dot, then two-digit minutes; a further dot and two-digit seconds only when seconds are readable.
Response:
8.37.43
